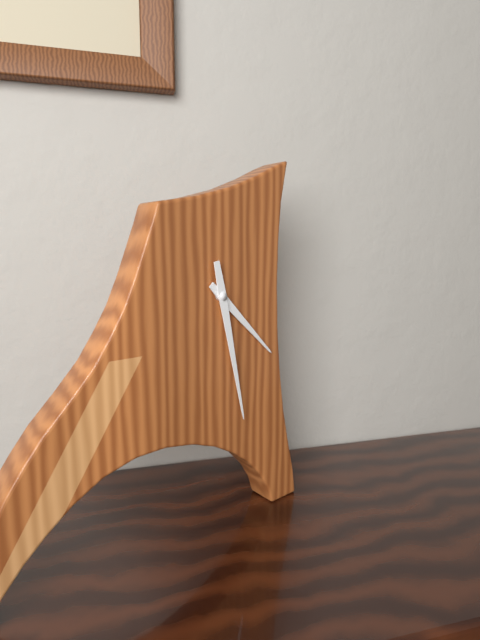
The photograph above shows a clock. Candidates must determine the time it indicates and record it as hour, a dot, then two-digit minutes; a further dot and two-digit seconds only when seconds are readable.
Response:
4.28
